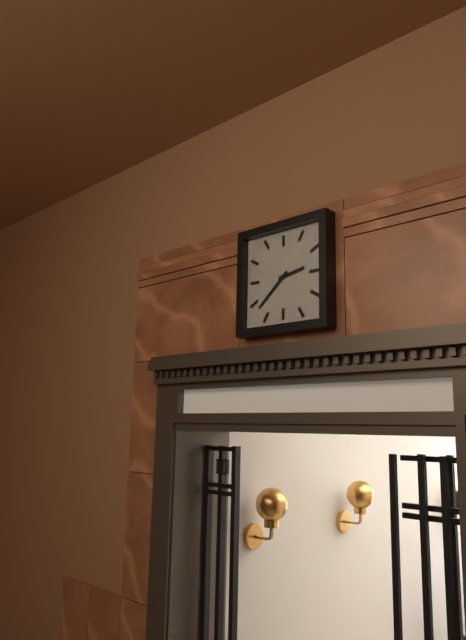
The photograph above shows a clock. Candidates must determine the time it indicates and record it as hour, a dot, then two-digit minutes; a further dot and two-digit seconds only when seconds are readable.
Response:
2.38
